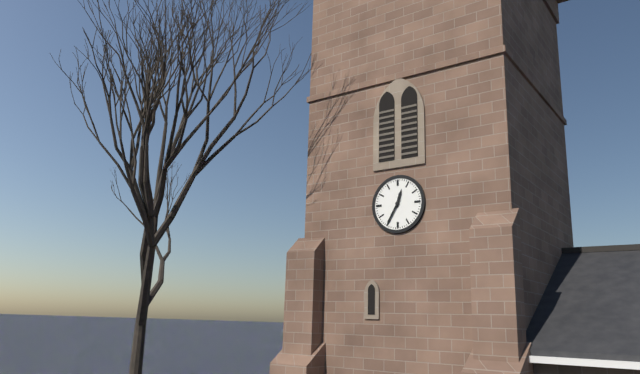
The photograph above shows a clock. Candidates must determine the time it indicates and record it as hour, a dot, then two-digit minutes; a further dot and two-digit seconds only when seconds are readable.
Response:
12.35
